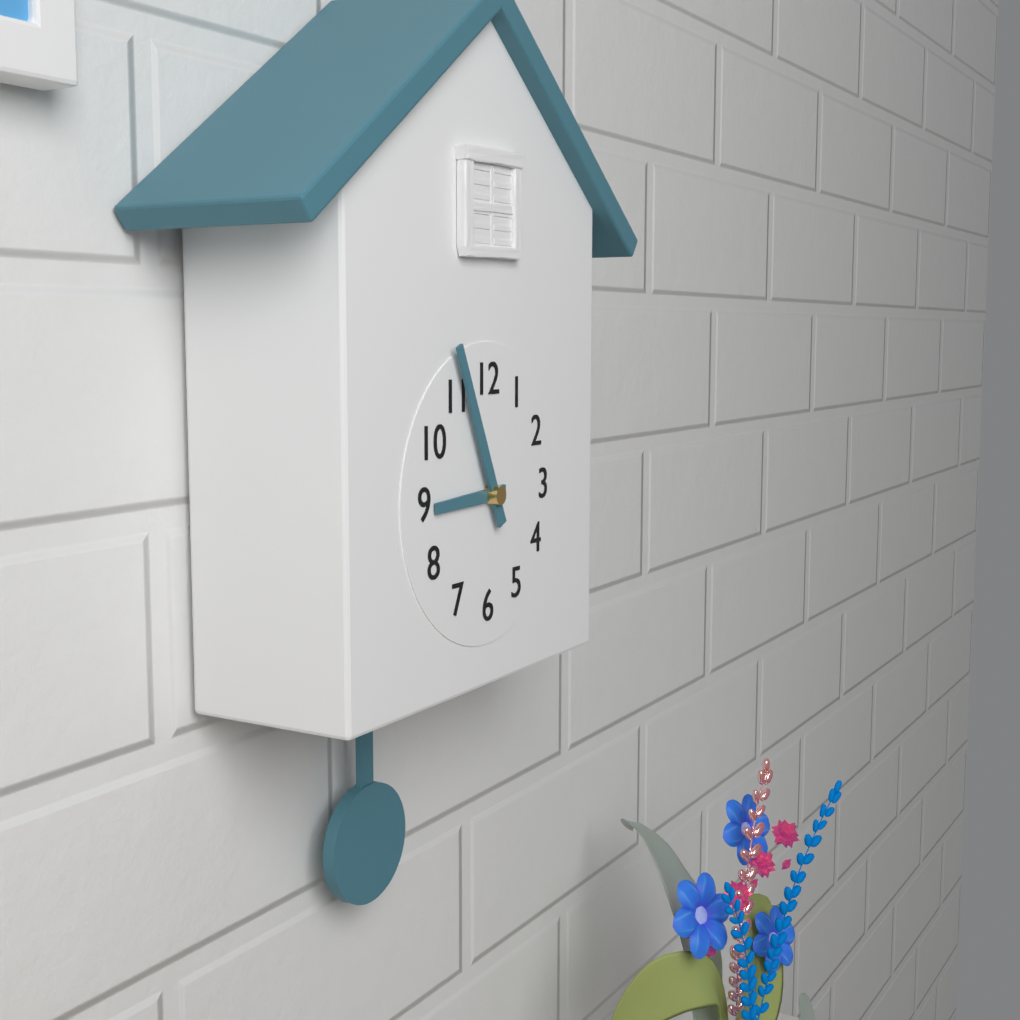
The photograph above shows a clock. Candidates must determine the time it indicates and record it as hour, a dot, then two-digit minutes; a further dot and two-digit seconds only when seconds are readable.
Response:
8.56
